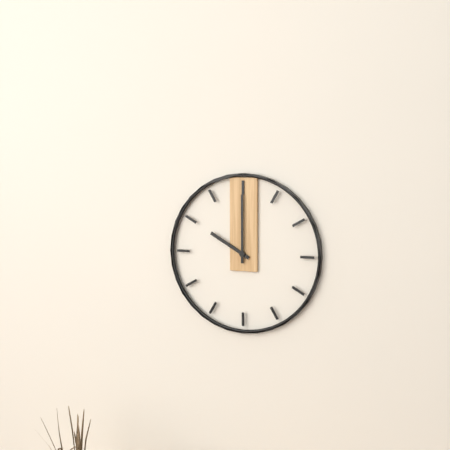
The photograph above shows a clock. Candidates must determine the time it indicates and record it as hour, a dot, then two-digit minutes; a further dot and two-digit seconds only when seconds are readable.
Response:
10.00
